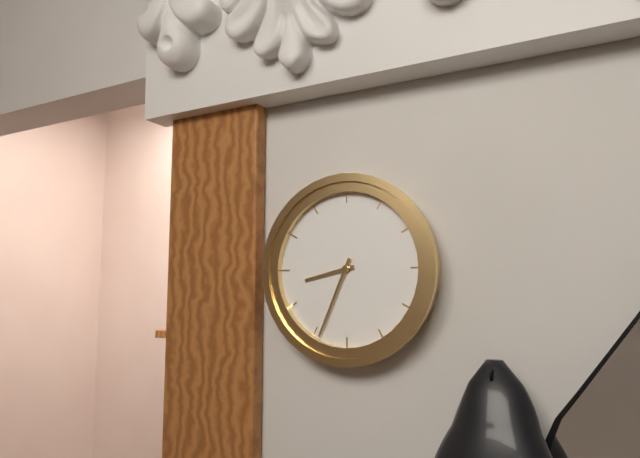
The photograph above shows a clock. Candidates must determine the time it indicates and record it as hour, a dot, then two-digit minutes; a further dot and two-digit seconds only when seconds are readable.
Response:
8.34
